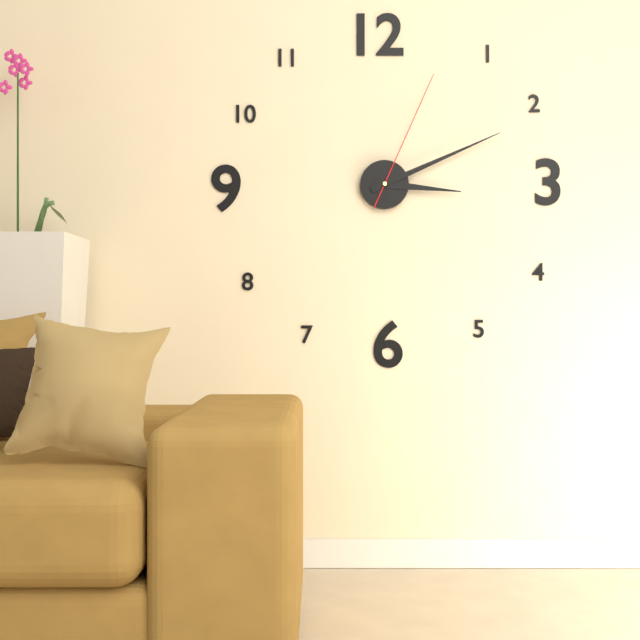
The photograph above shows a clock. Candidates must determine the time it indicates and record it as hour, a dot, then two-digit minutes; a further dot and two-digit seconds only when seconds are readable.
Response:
3.11.04
